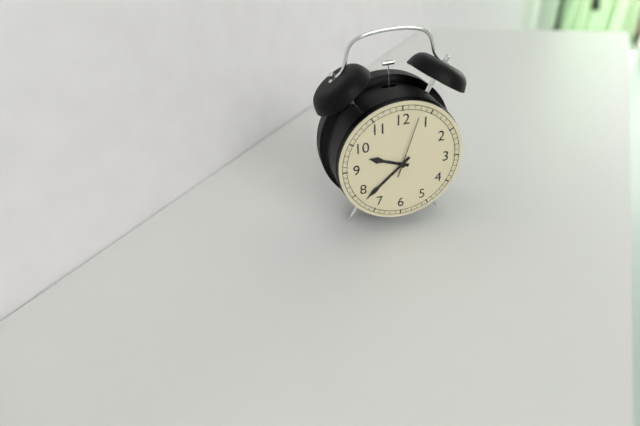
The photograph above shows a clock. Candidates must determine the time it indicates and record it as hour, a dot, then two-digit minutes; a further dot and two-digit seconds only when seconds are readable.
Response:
9.38.03
